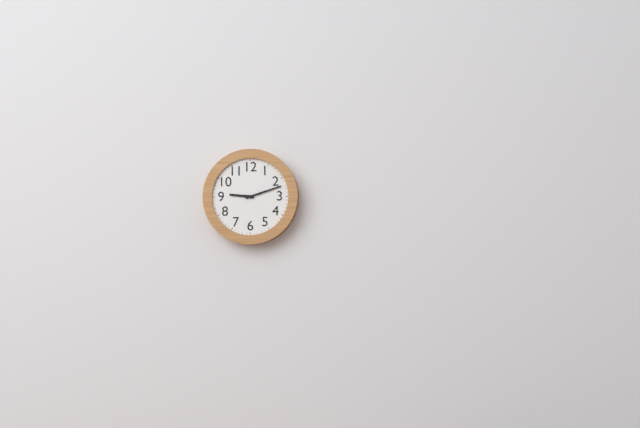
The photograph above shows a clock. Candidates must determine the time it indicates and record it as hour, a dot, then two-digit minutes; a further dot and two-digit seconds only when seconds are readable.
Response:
9.12
